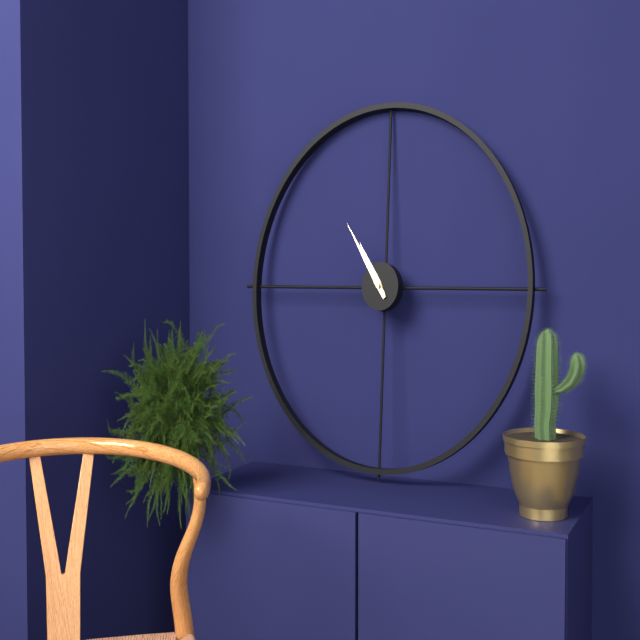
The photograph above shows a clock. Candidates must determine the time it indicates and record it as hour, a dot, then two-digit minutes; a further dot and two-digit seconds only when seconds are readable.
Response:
10.54
